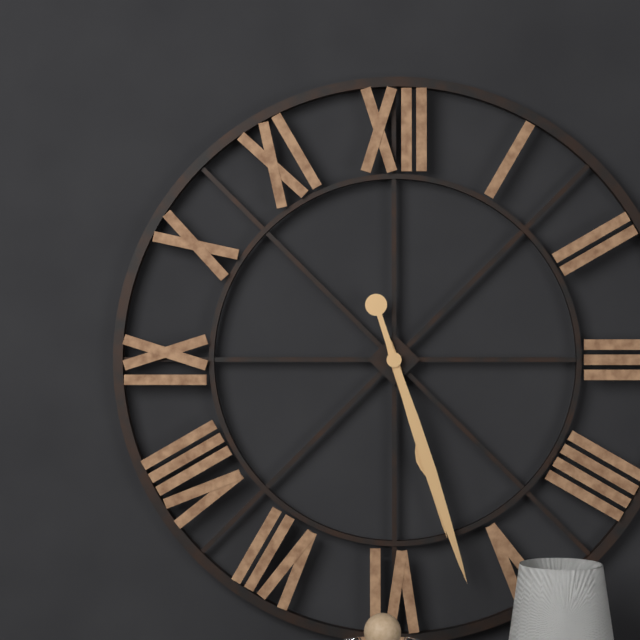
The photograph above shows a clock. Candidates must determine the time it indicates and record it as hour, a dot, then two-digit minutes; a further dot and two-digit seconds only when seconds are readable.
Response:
5.27
